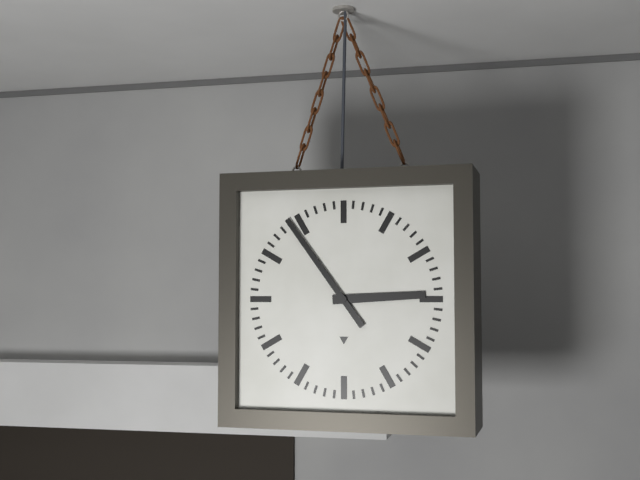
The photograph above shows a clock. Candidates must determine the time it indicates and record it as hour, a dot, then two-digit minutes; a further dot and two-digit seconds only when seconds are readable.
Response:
2.54
